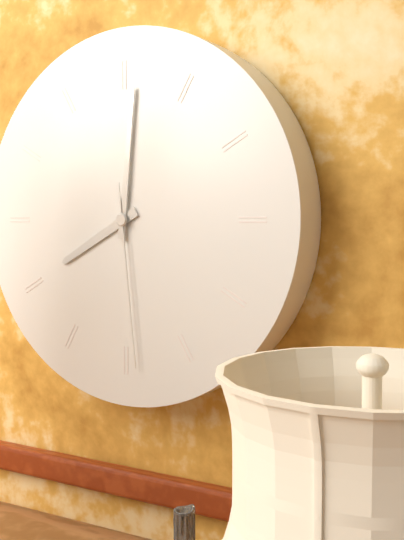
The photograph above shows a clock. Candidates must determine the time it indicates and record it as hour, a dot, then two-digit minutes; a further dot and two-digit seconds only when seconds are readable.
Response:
8.01.29
